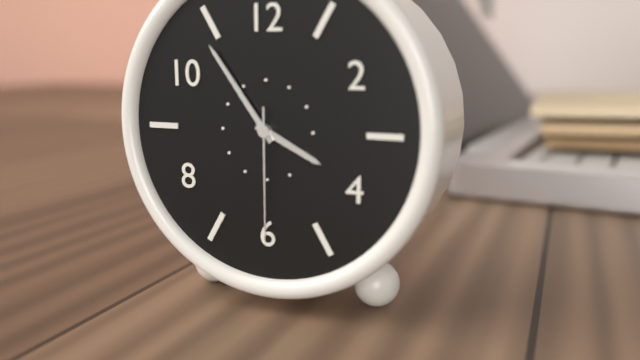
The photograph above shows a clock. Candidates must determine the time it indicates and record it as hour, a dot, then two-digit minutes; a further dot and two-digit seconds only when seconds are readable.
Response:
3.54.30
